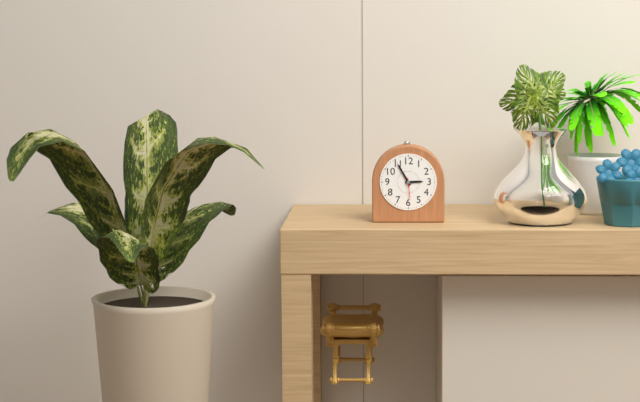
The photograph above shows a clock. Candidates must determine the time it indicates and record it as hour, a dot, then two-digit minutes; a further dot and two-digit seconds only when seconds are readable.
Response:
2.55
